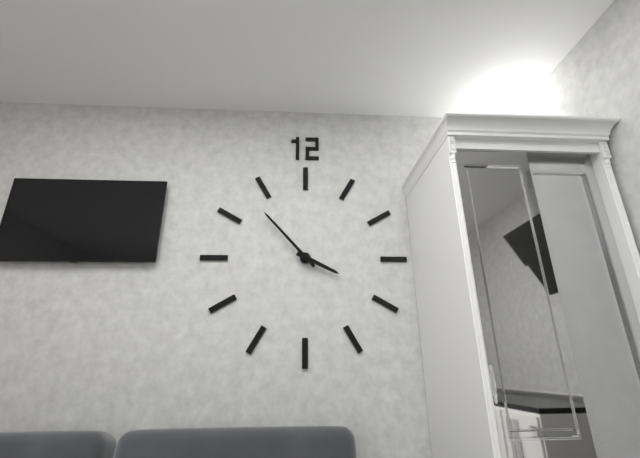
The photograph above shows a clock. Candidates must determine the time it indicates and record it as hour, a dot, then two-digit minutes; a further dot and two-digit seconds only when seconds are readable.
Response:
3.53
